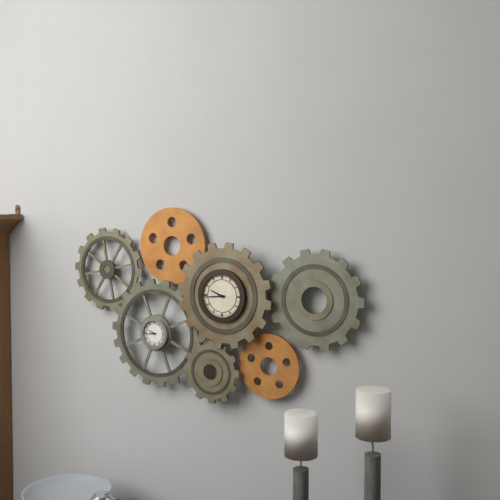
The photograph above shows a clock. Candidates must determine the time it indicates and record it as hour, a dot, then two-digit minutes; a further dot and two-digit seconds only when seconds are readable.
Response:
9.44
